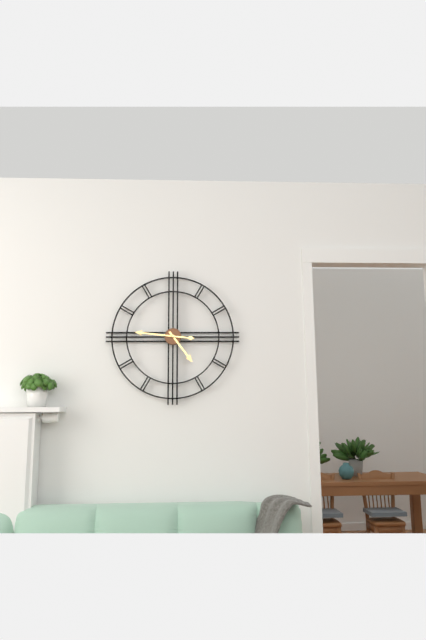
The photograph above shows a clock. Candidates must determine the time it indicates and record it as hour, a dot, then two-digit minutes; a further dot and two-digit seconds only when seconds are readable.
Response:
4.46
